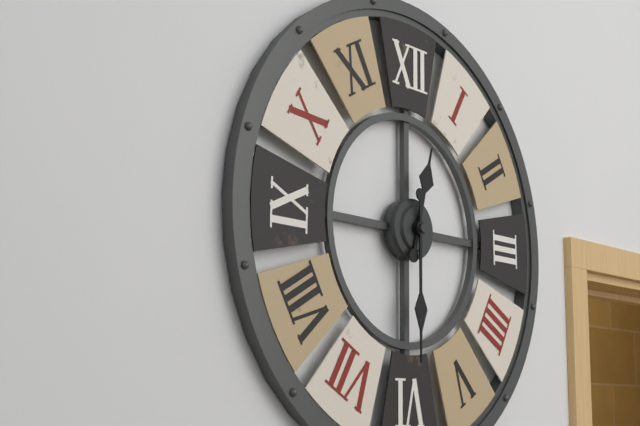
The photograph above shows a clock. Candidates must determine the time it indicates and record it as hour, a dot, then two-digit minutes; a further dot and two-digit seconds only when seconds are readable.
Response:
12.30
